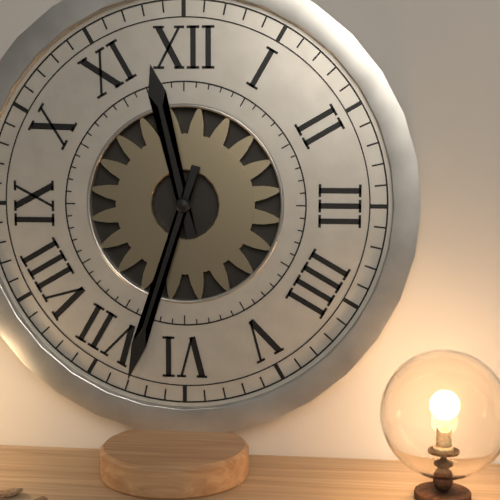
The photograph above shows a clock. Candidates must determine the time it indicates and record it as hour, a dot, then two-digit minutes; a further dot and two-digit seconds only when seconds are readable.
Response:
11.33
